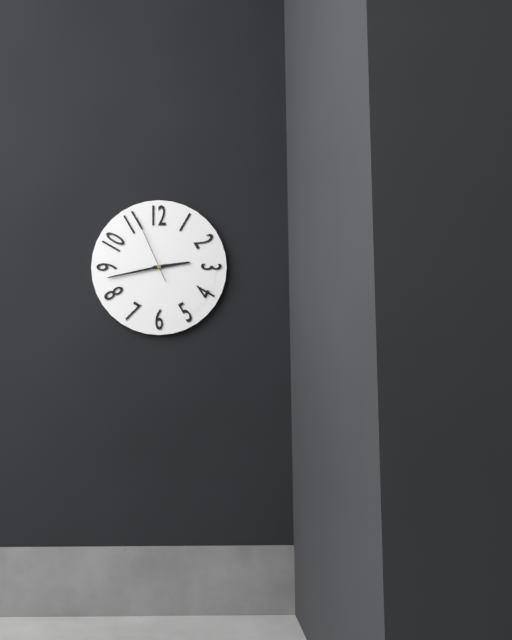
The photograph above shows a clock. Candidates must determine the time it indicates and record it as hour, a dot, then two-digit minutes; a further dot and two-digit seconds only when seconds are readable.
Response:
2.43.56
